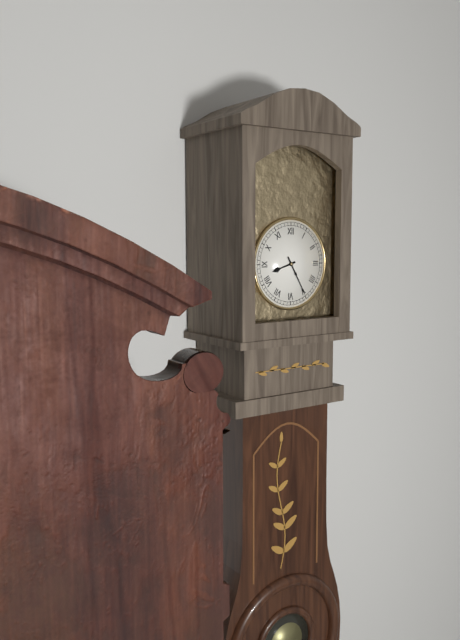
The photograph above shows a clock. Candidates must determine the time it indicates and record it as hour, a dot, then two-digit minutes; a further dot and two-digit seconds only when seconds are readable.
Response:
8.25
